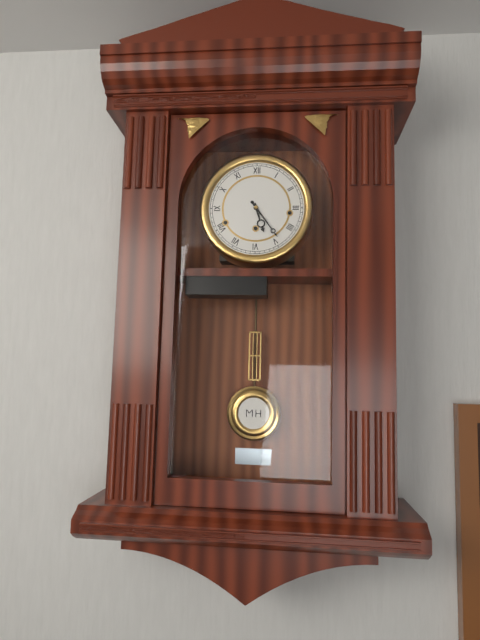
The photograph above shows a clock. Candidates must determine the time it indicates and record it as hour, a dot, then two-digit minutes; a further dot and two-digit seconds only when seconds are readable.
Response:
5.24
